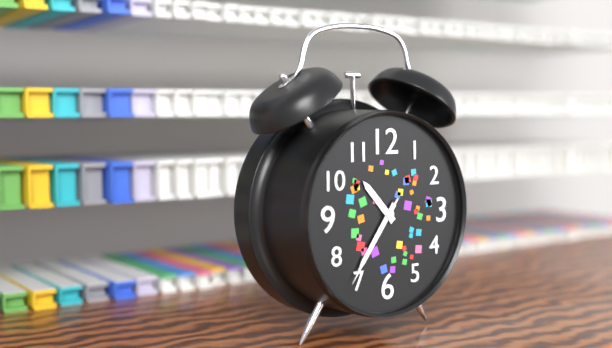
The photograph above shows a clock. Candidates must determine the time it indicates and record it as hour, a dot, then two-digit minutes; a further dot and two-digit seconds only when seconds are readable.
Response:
10.36.36
